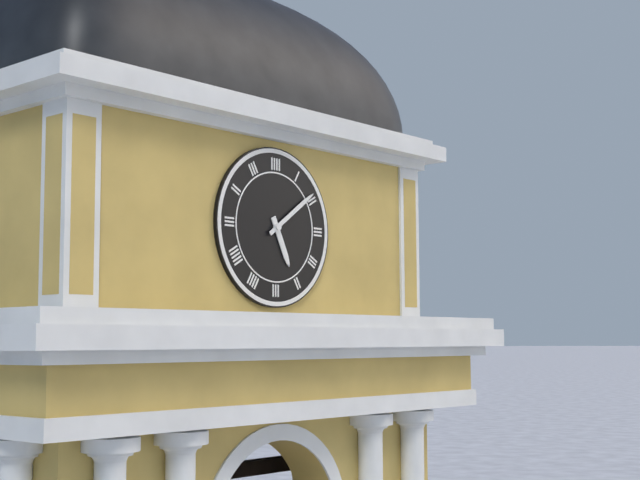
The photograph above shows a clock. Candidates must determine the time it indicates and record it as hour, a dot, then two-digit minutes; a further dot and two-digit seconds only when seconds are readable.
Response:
5.09
